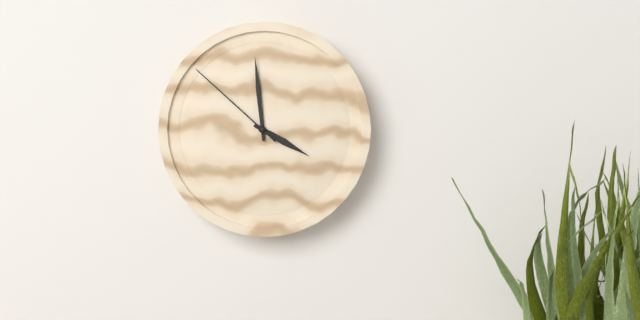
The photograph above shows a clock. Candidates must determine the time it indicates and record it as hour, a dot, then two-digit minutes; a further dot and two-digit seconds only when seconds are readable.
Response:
3.59.52
